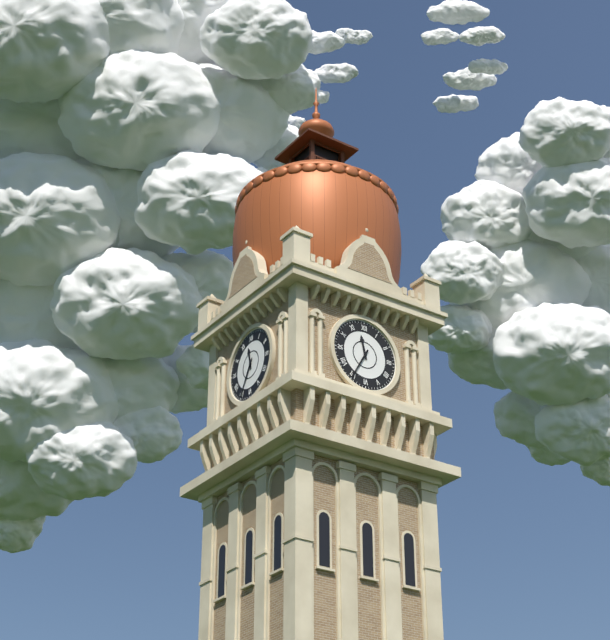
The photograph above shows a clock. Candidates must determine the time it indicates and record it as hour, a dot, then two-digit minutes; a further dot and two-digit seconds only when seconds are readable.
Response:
11.35
